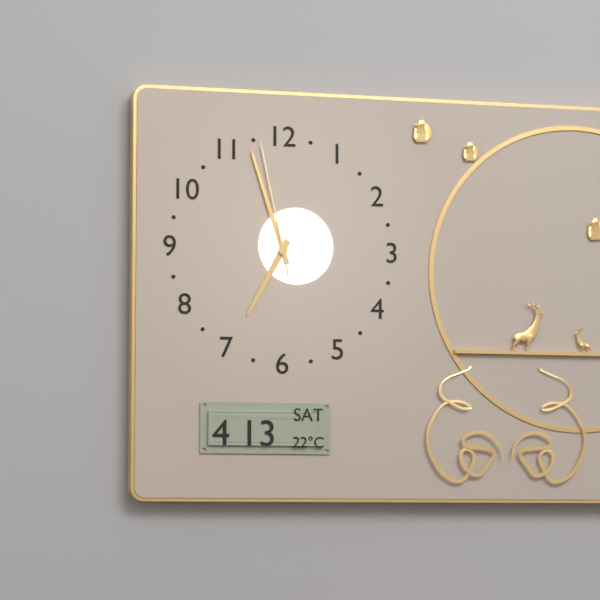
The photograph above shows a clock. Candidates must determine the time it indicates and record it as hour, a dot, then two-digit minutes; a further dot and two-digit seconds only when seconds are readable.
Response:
6.57.58
